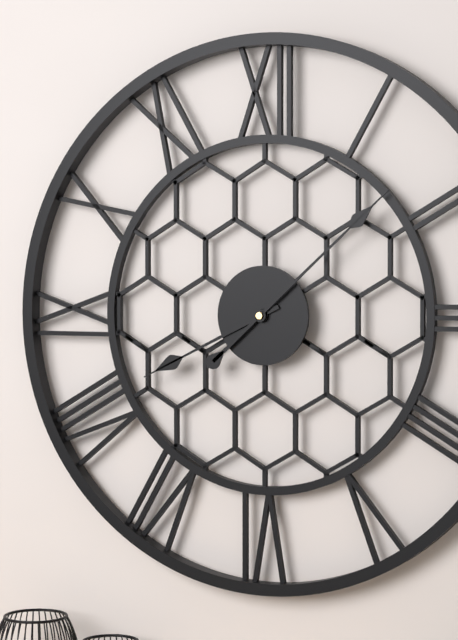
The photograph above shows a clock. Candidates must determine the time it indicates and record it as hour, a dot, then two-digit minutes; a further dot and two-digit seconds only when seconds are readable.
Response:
8.08
